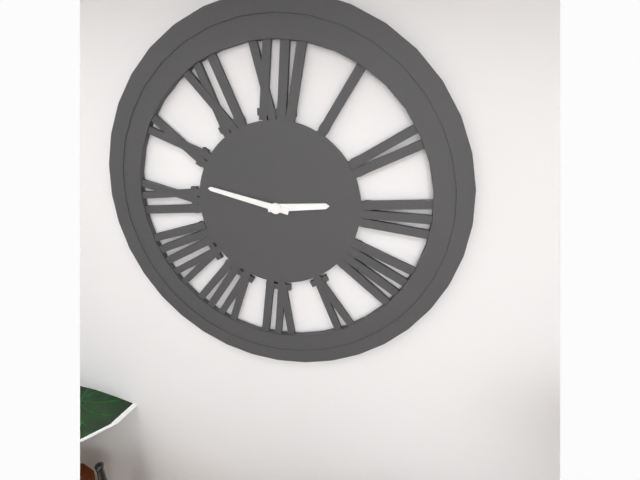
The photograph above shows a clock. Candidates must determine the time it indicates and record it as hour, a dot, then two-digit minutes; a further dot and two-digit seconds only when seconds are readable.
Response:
2.47
